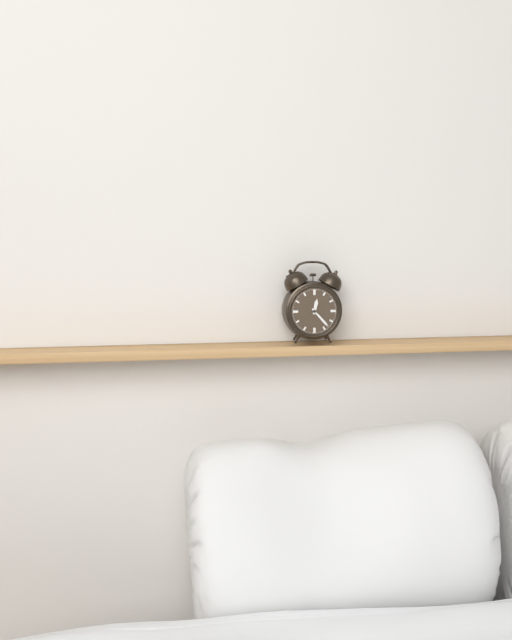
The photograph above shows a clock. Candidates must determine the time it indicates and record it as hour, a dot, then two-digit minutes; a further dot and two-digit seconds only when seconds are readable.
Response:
12.23
